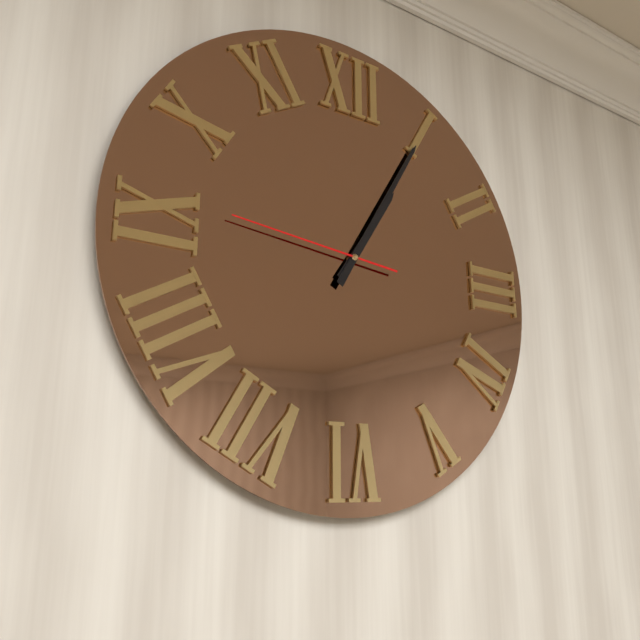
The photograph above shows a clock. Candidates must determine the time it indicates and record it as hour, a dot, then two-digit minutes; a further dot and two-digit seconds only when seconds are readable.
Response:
1.05.46
